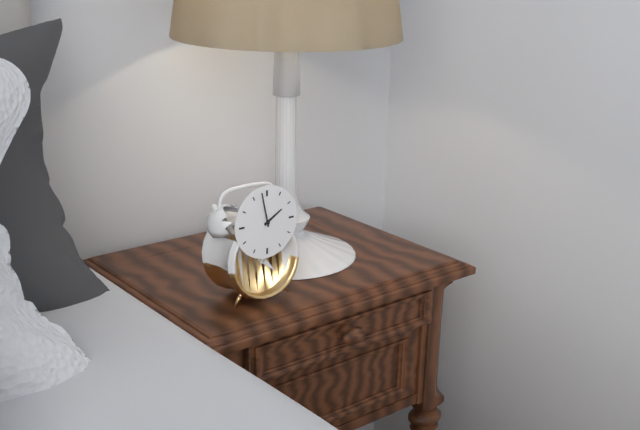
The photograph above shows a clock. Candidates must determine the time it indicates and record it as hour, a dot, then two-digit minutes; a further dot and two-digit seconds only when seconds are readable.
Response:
1.58
